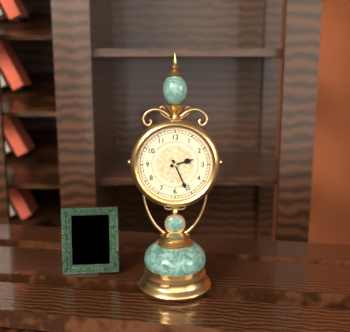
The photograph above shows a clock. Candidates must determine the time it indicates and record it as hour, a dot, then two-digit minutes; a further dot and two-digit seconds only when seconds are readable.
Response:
2.26
